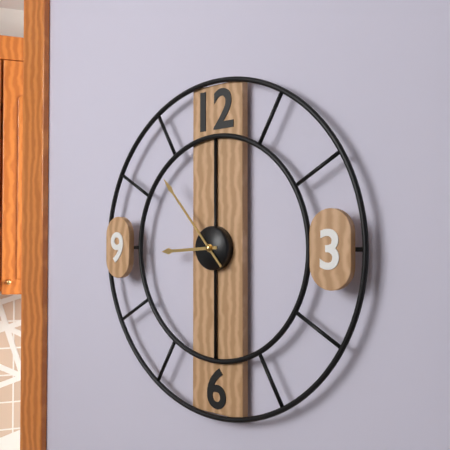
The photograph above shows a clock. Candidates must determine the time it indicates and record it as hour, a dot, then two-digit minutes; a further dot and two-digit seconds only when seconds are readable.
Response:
8.53
